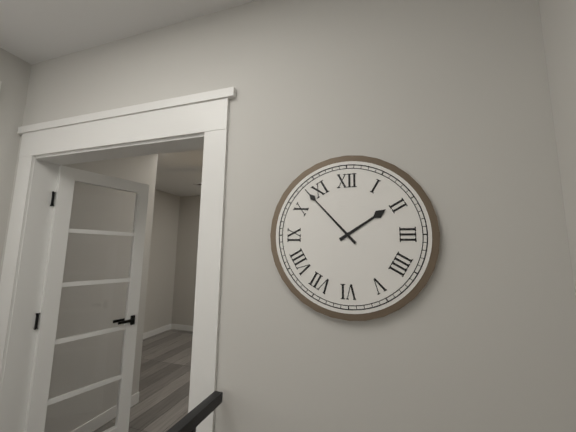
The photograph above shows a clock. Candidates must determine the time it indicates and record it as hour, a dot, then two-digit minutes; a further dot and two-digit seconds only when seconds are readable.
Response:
1.53
